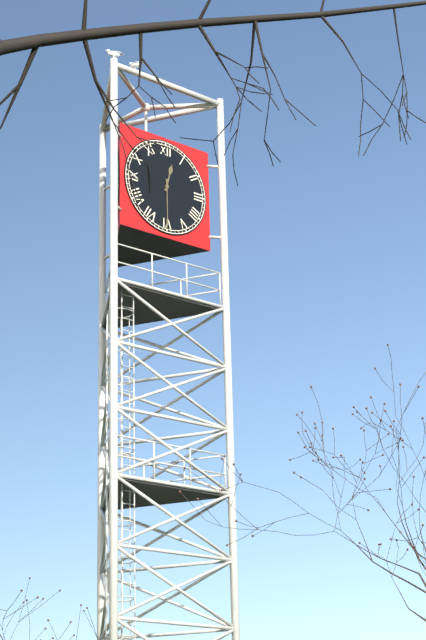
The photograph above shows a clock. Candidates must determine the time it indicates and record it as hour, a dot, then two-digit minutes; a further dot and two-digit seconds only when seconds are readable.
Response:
12.30
